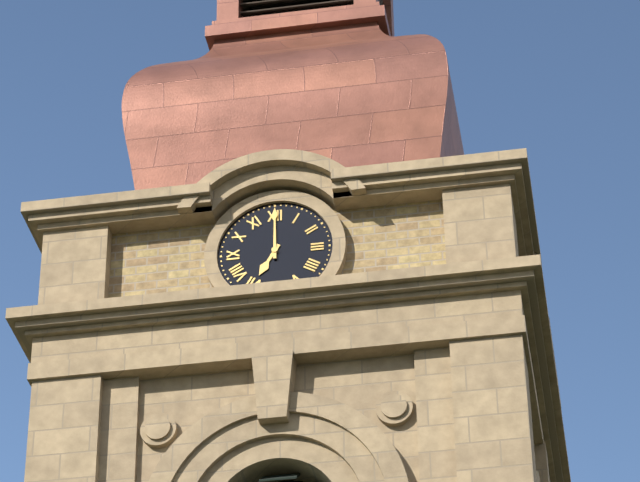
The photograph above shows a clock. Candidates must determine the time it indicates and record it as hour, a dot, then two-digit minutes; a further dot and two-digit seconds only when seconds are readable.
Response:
7.00
